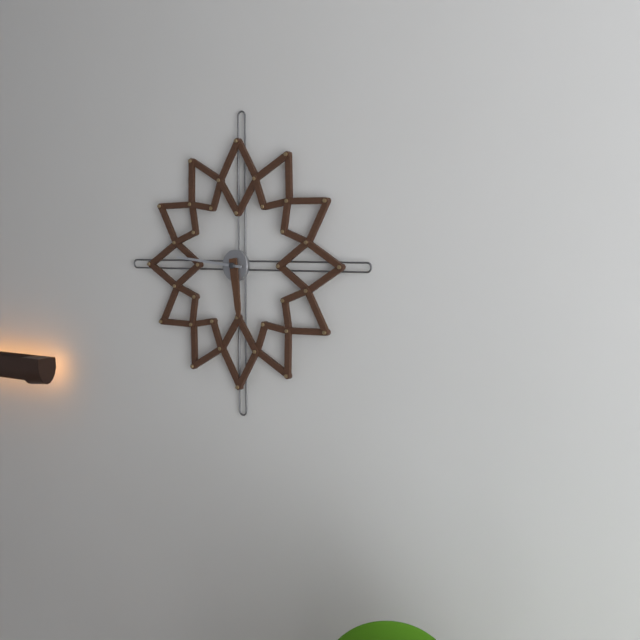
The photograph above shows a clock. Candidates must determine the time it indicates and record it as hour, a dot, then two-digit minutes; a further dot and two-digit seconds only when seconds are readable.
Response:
5.46
